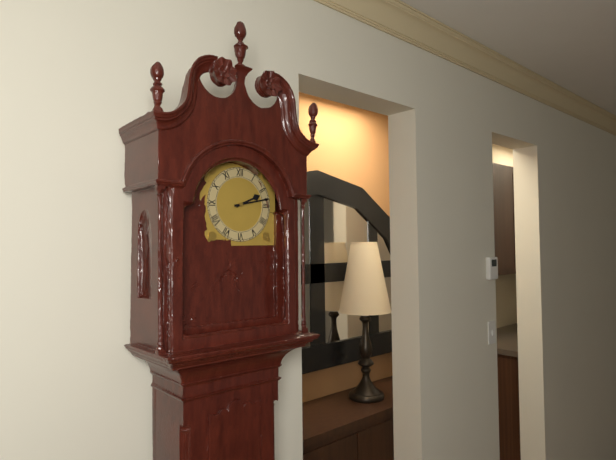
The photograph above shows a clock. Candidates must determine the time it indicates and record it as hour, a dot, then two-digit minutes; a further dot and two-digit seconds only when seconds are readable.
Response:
2.13
